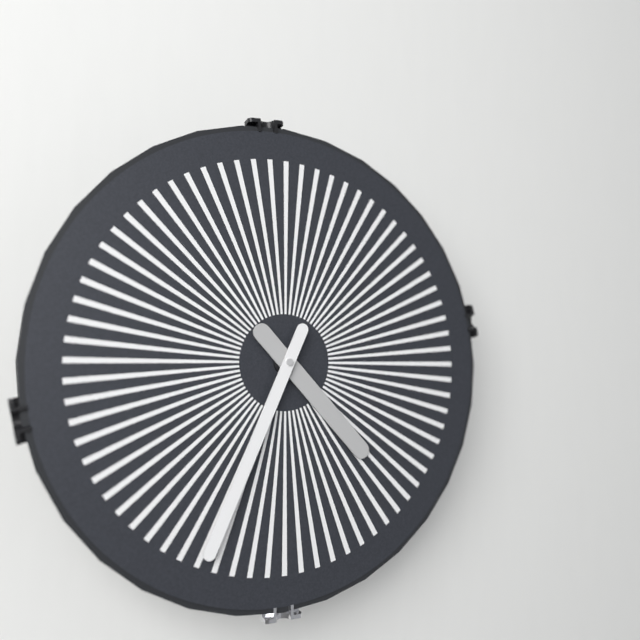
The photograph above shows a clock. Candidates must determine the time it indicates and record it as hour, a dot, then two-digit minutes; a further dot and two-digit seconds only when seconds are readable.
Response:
4.34
